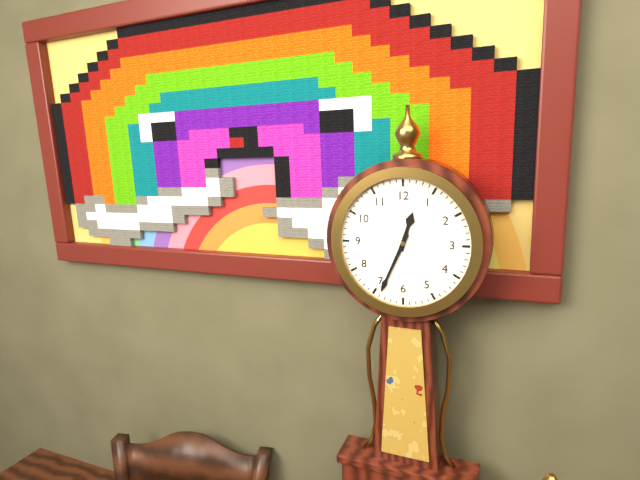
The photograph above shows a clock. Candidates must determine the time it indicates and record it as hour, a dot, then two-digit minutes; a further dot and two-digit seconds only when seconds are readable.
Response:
12.34
